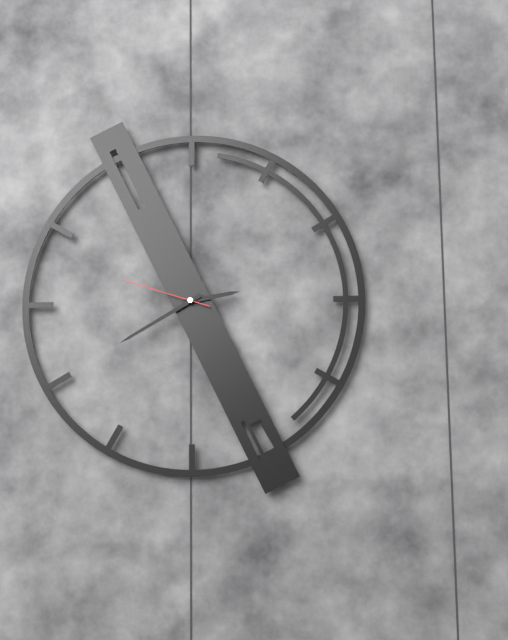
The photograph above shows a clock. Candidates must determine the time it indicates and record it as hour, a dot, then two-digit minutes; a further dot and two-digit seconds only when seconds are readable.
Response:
2.40.48
